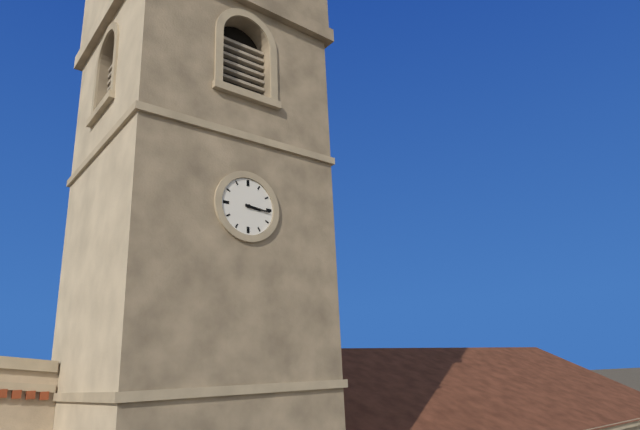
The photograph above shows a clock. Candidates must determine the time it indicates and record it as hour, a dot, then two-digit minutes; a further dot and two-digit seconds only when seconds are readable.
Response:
3.16
